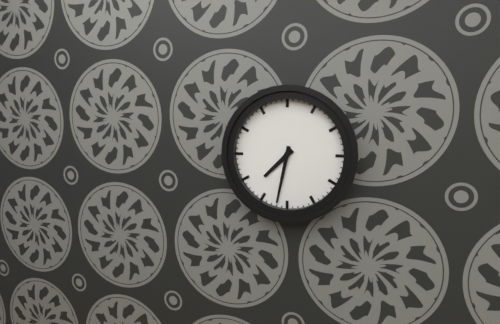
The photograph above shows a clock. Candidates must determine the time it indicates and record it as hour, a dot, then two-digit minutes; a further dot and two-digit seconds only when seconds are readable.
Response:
7.32
